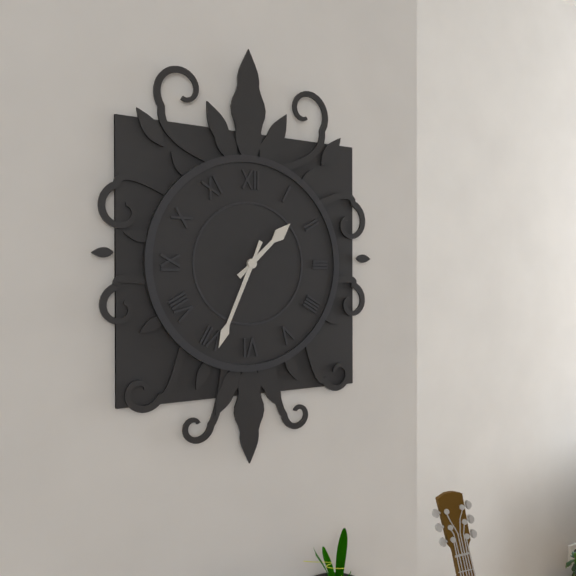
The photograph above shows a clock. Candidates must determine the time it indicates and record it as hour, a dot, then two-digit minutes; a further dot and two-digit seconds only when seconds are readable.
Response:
1.34
